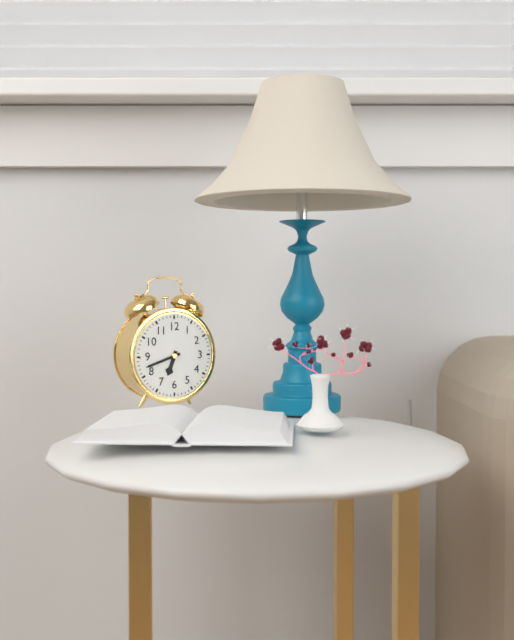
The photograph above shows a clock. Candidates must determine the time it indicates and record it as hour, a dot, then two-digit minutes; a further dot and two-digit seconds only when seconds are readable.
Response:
6.42
